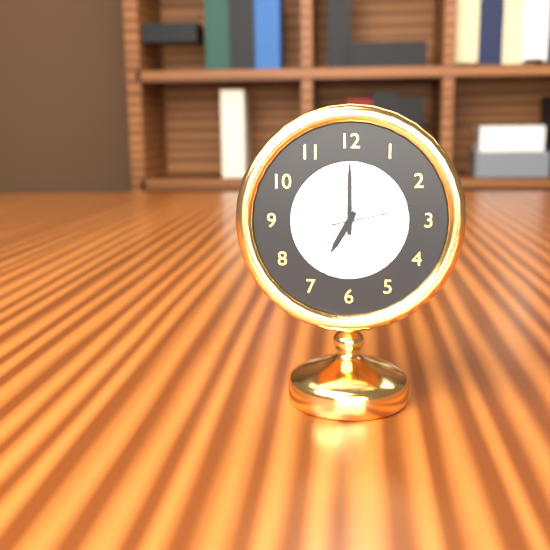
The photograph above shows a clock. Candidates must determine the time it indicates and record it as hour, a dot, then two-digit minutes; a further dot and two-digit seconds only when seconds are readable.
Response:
7.00.13
